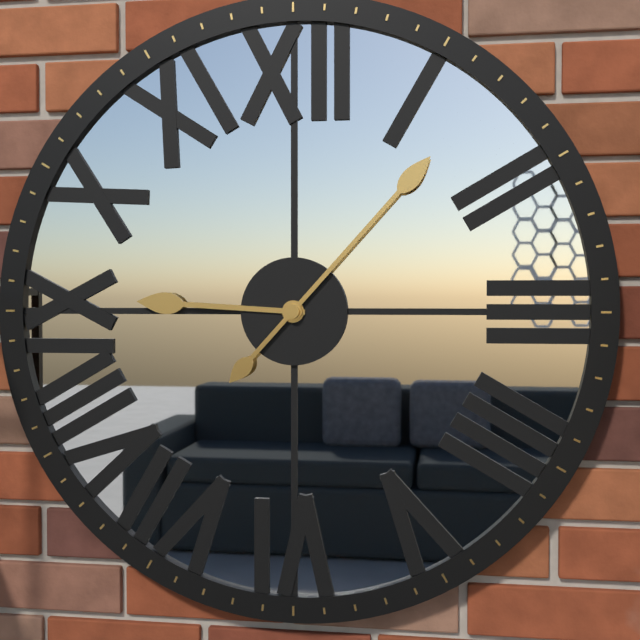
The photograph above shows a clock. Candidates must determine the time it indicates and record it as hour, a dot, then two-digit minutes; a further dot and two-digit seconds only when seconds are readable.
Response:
9.07
